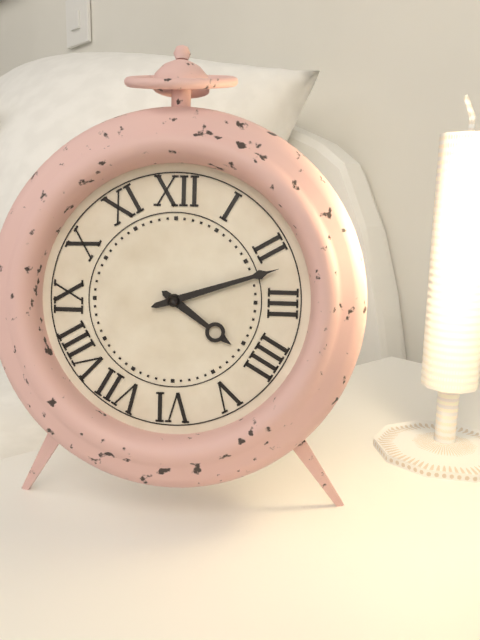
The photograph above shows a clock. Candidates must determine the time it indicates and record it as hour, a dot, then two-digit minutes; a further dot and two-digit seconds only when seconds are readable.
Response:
4.12
